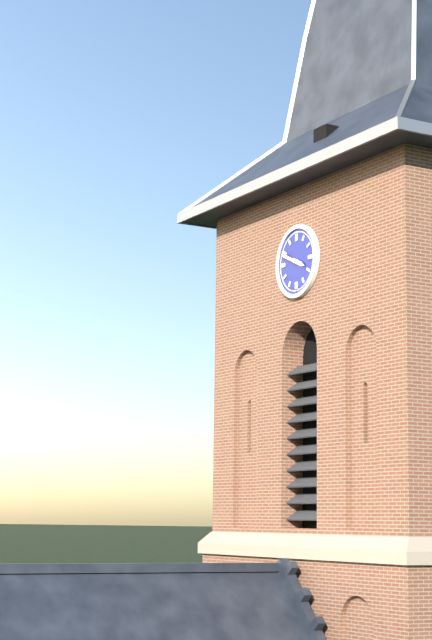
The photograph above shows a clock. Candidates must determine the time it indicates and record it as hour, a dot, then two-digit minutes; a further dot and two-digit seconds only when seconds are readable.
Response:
3.49
